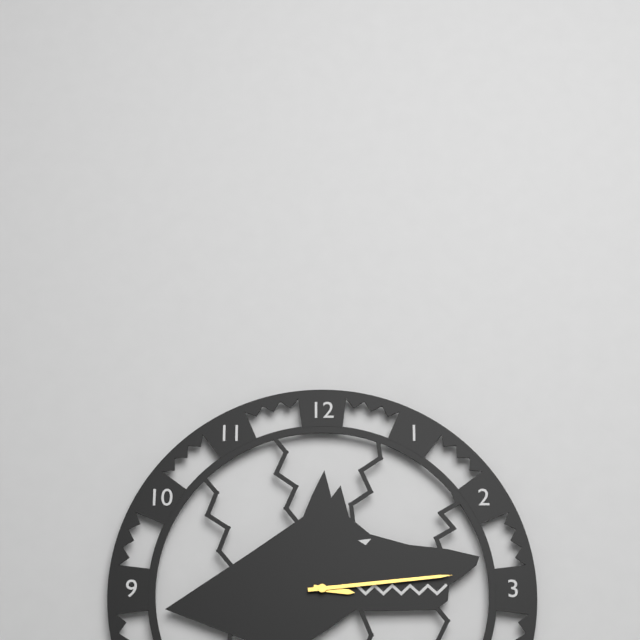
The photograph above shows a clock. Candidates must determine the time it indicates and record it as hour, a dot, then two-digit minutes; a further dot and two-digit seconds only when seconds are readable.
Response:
3.14
